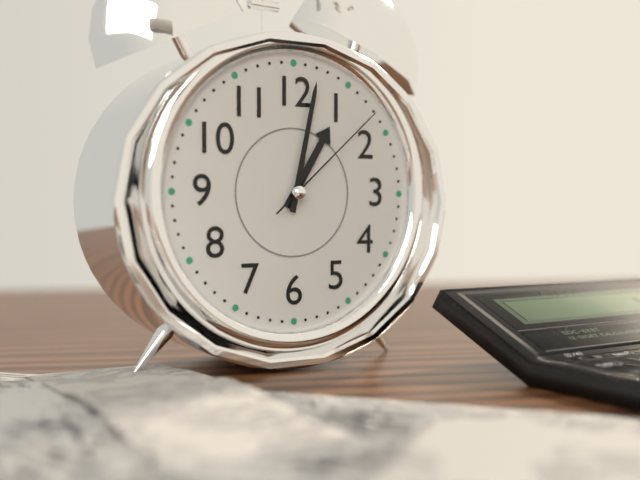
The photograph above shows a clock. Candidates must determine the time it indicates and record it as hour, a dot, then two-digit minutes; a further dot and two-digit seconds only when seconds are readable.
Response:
1.02.08
